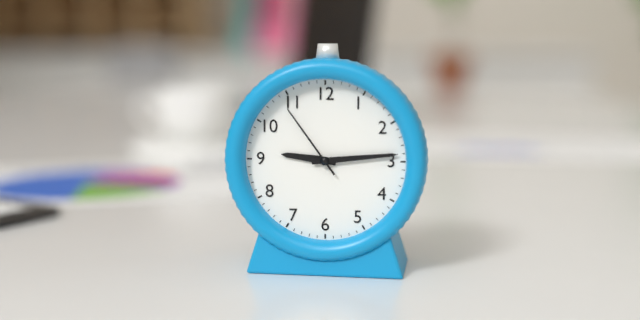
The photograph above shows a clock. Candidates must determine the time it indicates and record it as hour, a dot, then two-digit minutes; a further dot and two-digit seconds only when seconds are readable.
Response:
9.14.54
